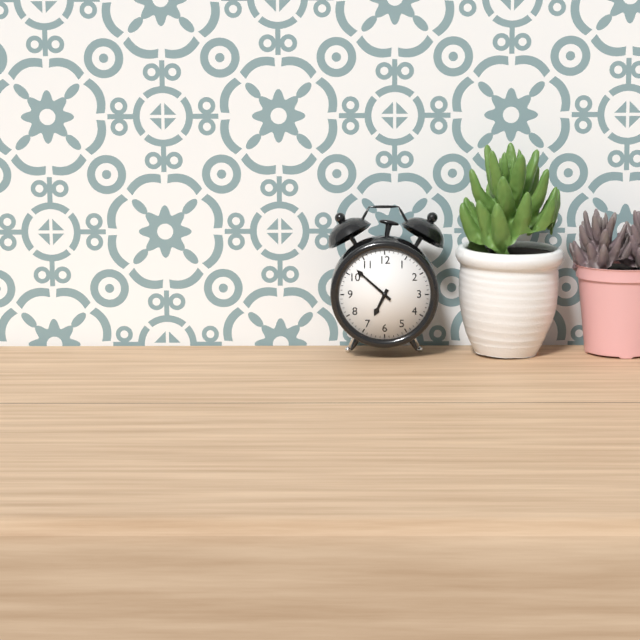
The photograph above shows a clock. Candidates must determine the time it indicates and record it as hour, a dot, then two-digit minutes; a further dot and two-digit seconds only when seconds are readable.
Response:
6.52
